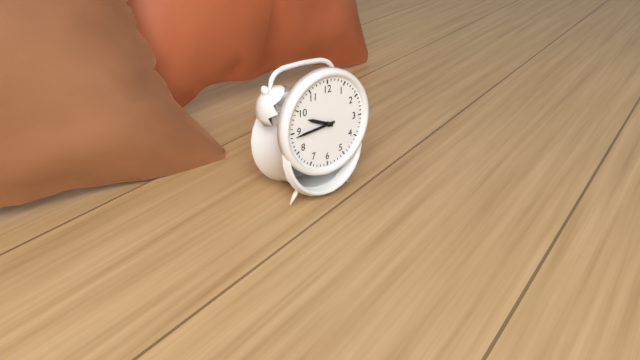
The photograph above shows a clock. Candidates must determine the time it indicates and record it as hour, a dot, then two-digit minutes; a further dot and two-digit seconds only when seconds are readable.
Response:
9.44
